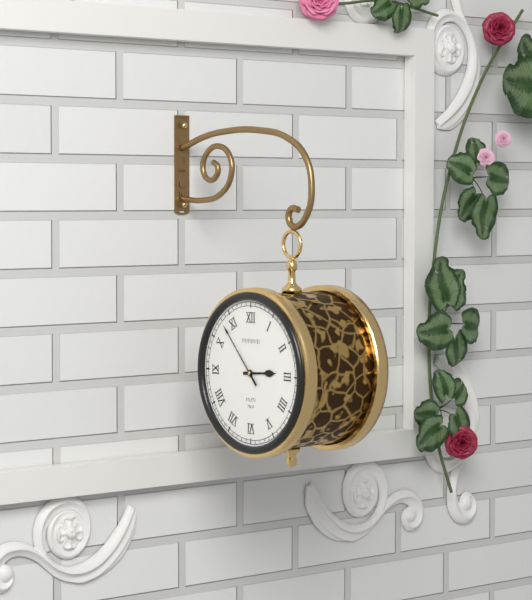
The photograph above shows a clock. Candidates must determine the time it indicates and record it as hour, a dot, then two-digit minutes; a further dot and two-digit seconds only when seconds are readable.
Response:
2.53
